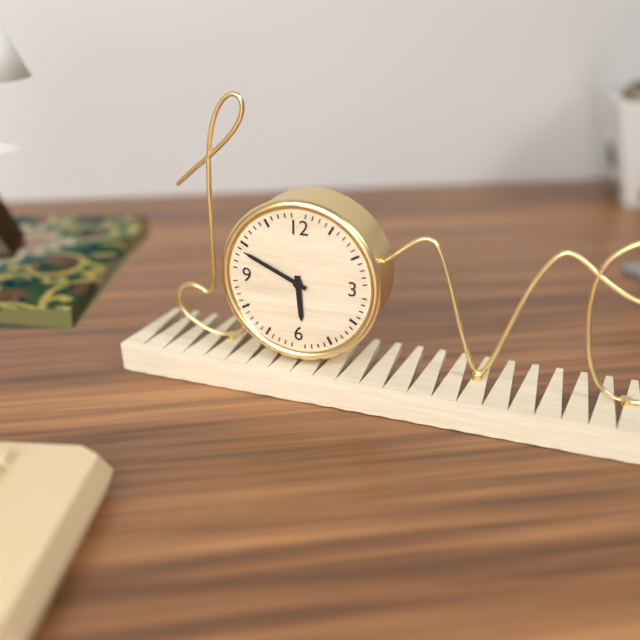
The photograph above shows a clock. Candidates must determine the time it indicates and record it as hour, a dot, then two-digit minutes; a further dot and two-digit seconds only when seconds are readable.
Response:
5.49
